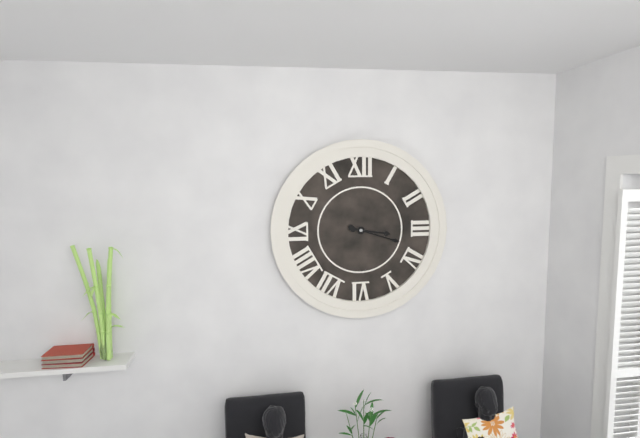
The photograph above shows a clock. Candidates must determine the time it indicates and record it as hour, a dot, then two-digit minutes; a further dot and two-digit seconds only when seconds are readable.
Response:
3.18
